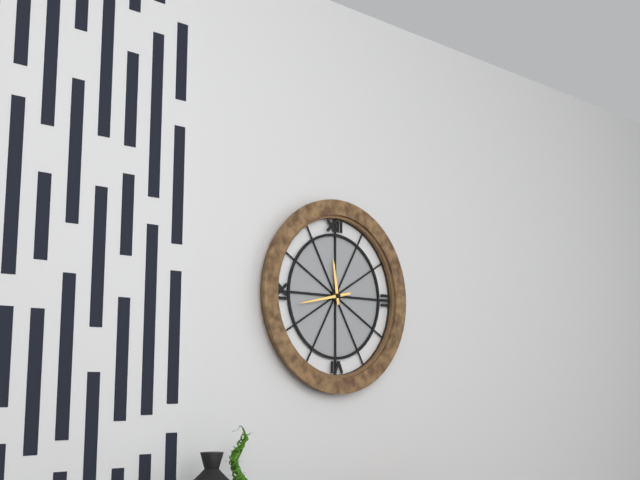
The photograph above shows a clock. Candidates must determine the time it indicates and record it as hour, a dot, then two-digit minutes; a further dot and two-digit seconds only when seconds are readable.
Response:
11.43
